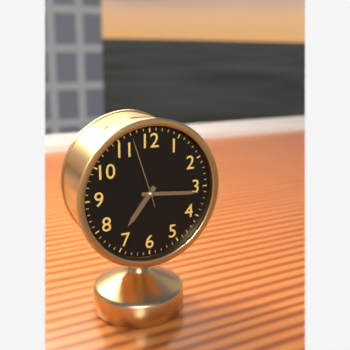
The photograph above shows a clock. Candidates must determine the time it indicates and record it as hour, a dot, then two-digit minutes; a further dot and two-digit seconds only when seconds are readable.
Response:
7.16.57
